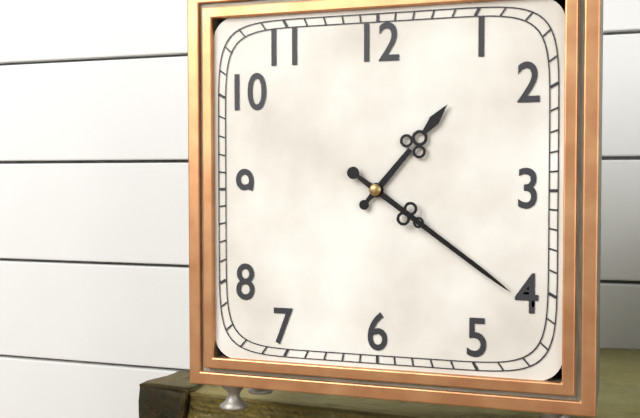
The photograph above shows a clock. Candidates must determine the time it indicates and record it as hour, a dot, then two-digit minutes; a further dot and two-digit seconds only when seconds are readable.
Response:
1.21
